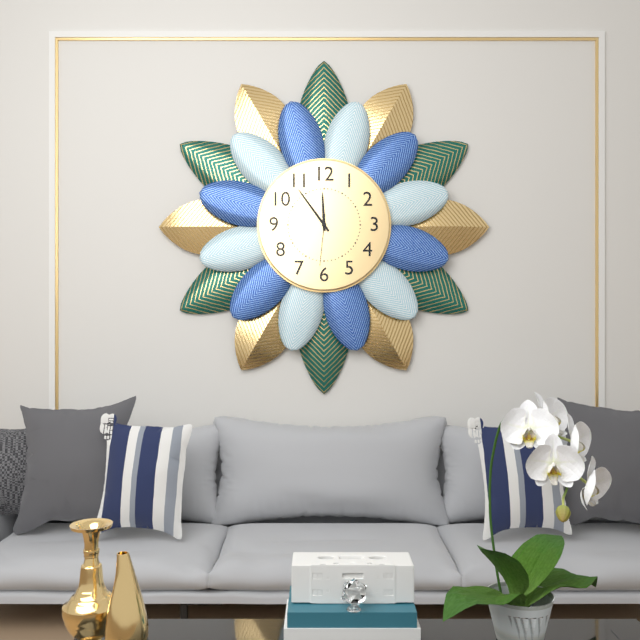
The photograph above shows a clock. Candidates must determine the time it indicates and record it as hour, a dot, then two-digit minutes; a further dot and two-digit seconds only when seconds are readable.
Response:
11.54.31
